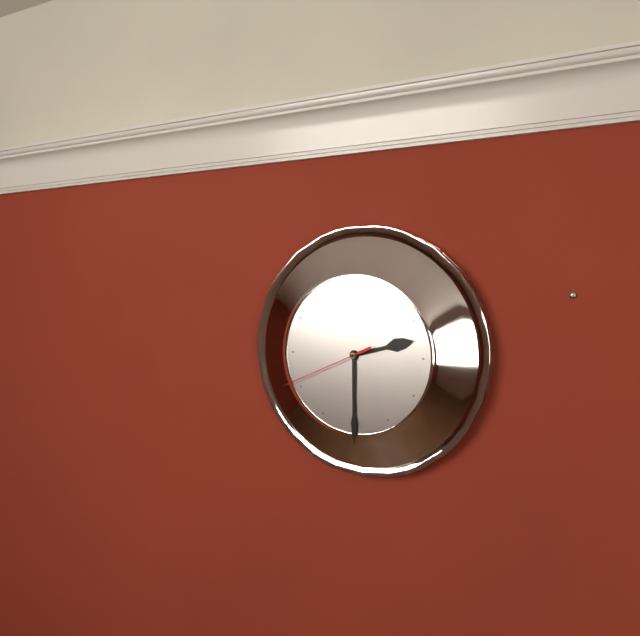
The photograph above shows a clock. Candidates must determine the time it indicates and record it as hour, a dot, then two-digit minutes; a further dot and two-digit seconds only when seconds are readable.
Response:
2.30.41
